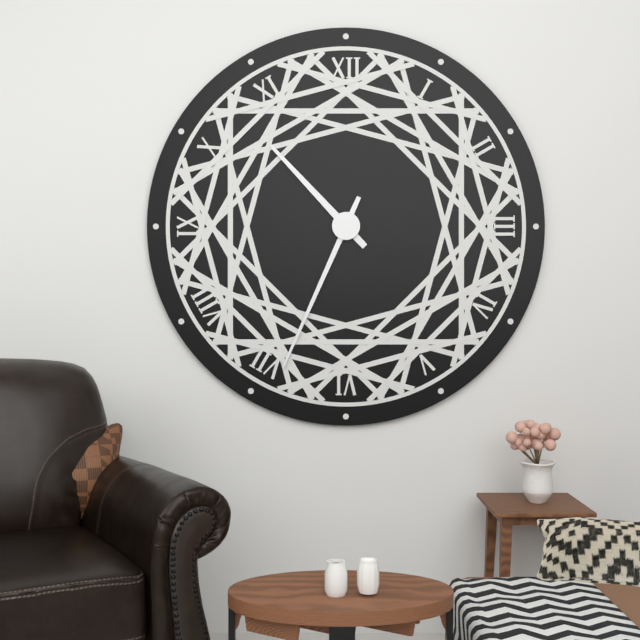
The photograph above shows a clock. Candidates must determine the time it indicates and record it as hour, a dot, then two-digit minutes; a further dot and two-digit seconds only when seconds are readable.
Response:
10.34
